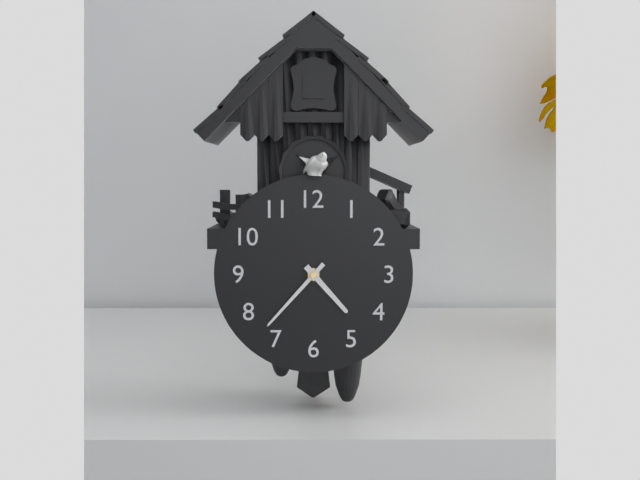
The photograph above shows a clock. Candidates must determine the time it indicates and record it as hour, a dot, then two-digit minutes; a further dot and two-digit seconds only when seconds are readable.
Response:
4.37
